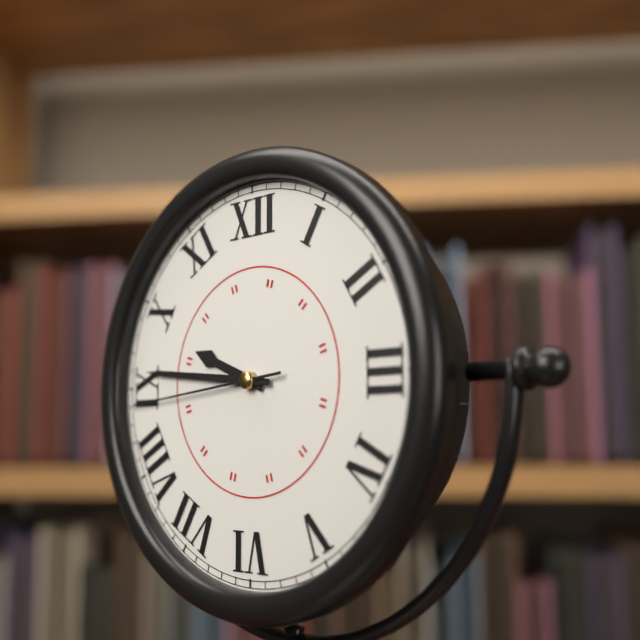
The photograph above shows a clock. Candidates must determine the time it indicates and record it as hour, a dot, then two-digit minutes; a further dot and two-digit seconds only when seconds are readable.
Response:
9.46.44
